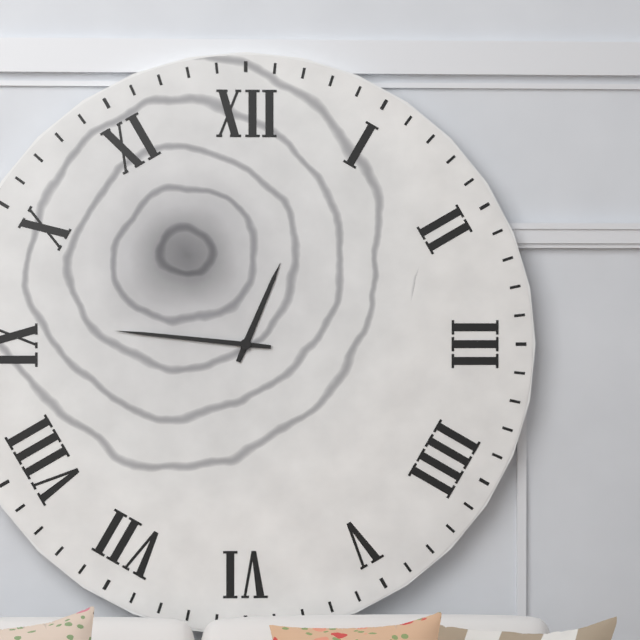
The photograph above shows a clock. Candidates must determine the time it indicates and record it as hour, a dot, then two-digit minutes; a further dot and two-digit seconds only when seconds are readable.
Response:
12.46
